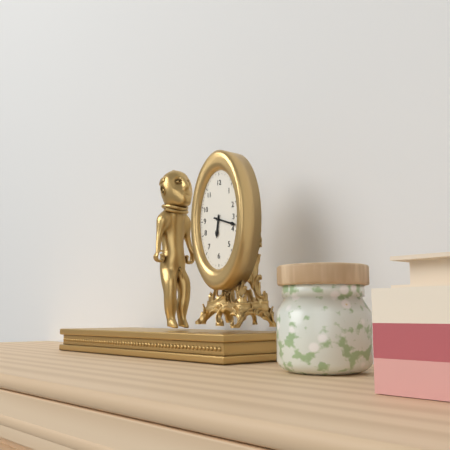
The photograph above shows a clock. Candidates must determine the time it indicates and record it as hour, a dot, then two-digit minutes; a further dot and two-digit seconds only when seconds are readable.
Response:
6.18
